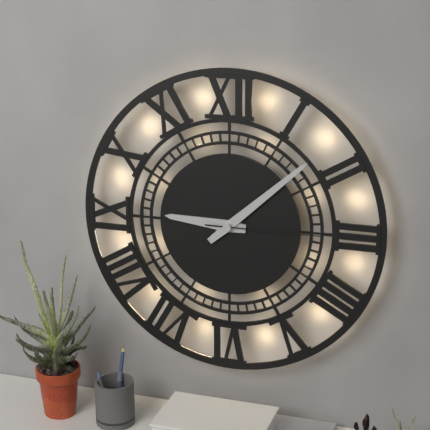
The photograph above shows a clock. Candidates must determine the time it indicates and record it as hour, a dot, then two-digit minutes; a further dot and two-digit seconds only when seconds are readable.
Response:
9.08.15
